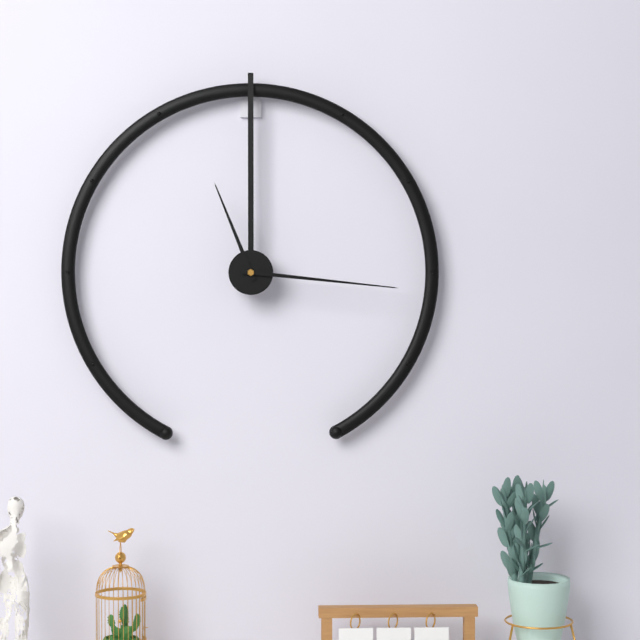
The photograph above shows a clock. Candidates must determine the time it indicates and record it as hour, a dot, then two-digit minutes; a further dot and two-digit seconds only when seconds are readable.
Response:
11.16
